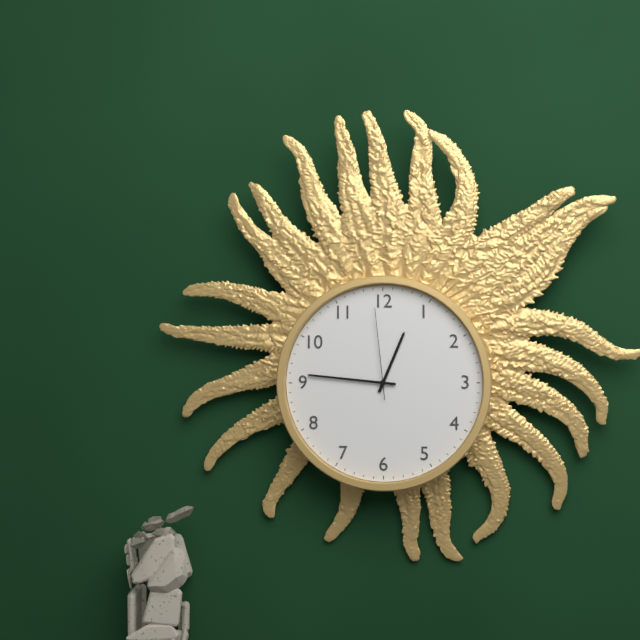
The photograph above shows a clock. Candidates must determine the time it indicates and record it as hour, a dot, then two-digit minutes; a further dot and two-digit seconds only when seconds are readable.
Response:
12.46.59
